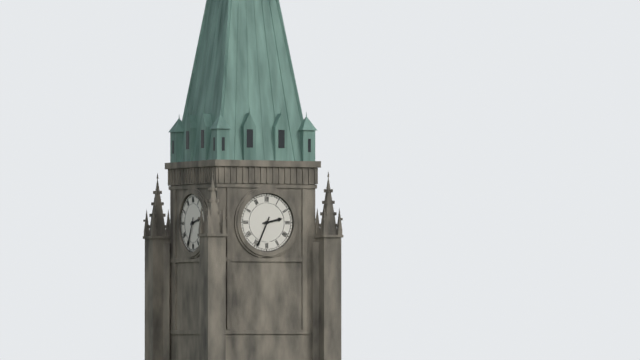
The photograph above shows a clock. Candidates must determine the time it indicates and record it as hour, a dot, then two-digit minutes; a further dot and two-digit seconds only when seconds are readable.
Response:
2.34
